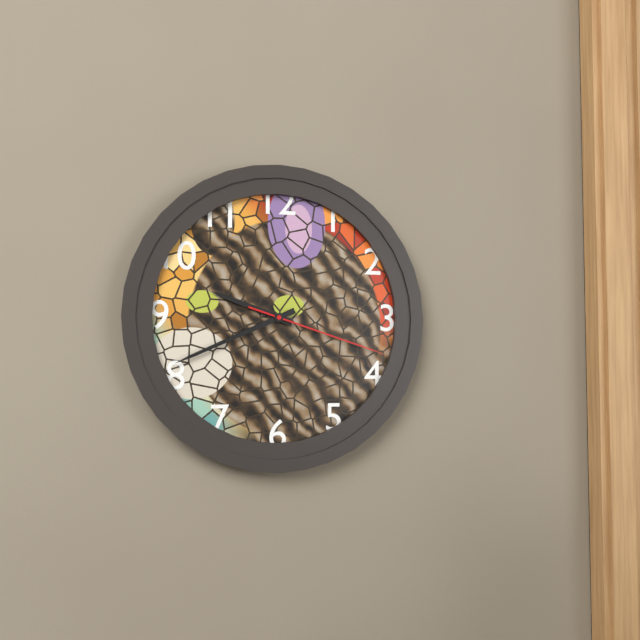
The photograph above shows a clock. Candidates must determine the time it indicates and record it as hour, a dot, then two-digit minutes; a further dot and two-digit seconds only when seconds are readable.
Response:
9.41.18
